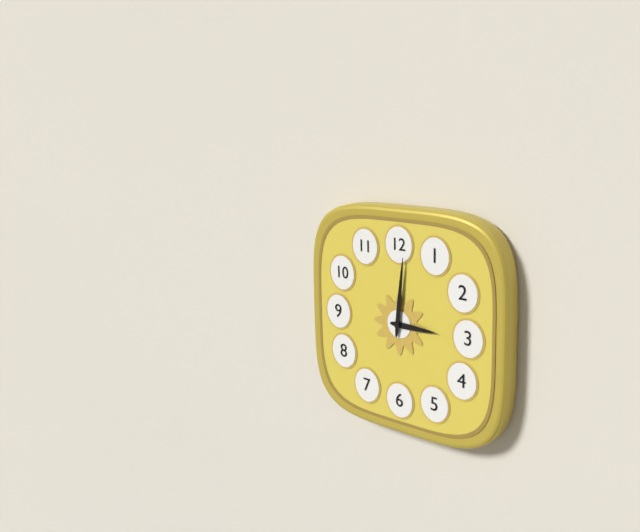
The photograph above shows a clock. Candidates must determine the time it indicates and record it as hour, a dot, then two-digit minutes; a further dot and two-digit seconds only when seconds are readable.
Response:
3.01
